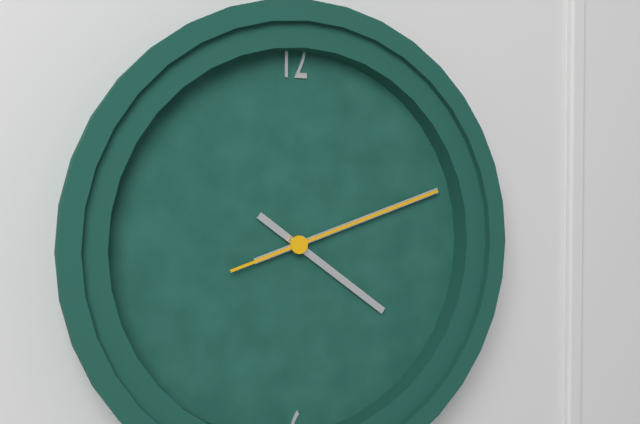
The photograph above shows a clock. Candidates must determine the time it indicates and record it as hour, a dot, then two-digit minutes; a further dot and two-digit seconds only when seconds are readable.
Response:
4.12.12
